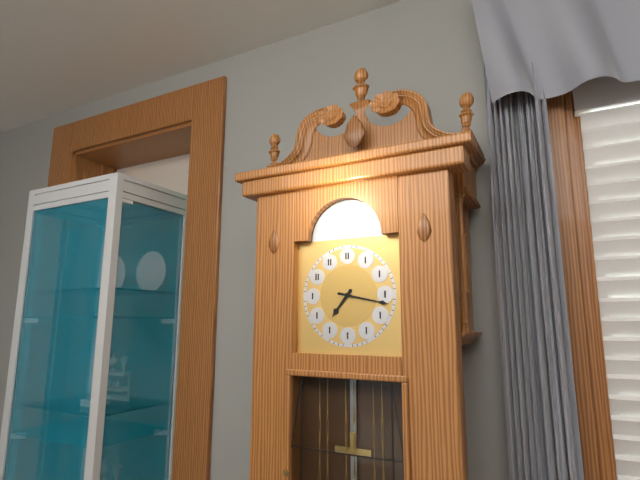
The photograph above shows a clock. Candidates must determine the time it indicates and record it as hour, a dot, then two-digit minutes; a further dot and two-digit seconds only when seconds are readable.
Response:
7.17
